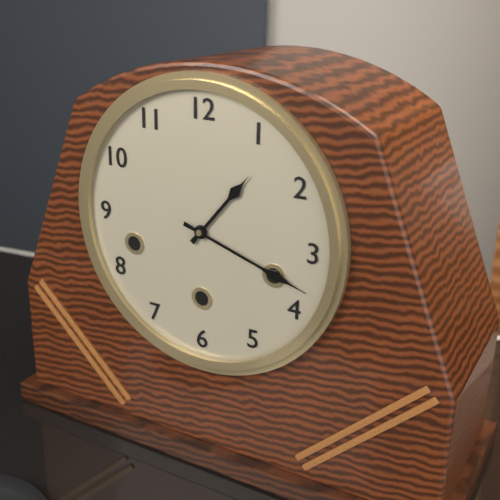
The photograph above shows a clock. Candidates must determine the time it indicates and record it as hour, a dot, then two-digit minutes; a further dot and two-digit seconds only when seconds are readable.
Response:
1.18
